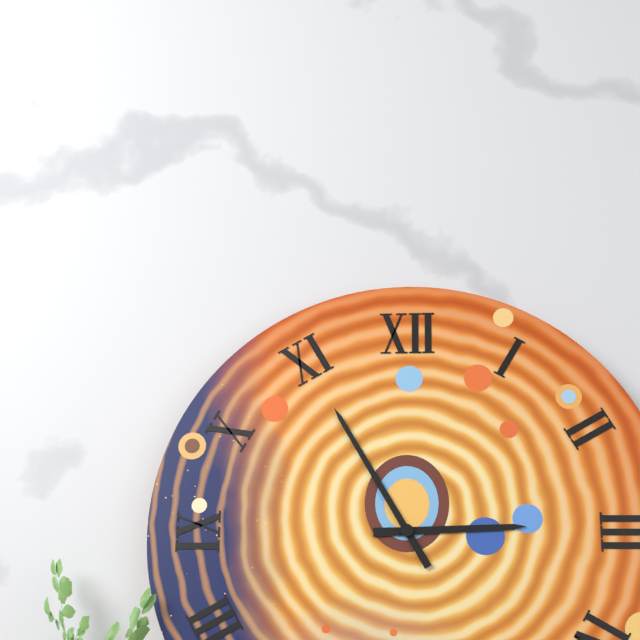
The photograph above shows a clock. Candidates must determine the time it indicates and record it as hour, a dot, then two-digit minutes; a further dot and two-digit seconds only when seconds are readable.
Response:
2.55
